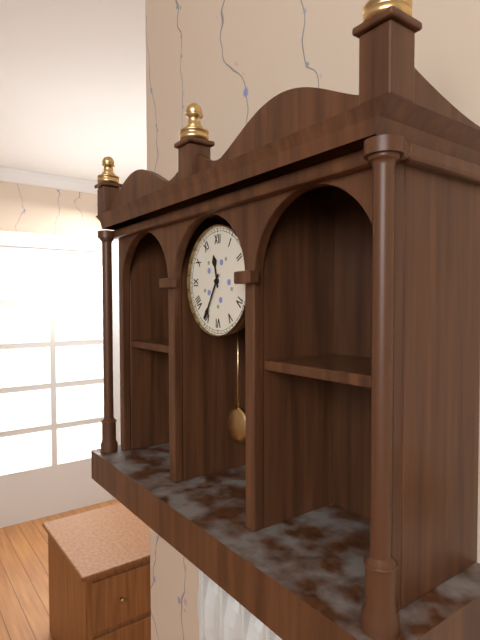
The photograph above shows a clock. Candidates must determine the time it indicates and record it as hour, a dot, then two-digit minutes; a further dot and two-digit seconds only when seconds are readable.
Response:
11.35
